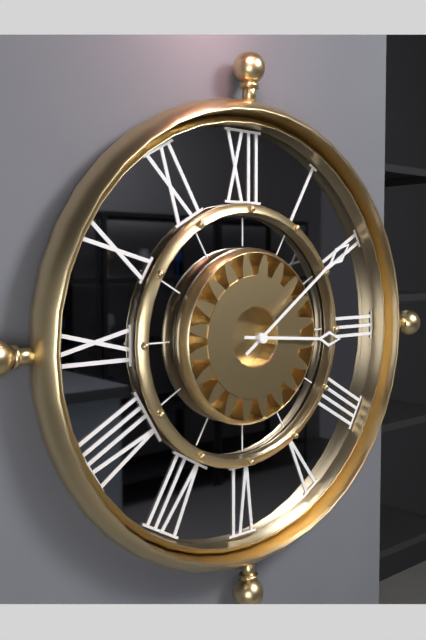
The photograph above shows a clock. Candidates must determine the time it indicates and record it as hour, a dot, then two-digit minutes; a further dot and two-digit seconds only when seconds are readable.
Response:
3.09
